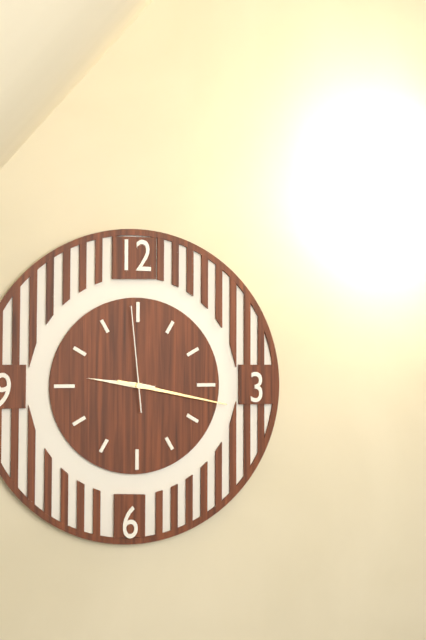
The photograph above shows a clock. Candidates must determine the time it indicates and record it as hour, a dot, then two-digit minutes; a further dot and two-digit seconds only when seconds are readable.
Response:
9.17.59
